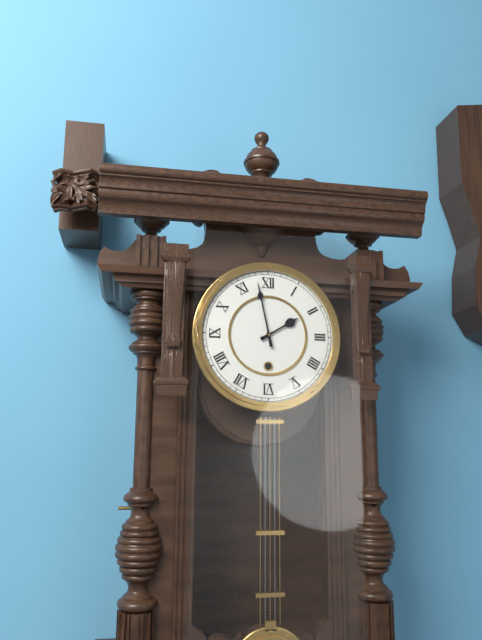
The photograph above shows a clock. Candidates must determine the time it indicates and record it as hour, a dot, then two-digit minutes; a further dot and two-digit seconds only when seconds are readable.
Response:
1.58
